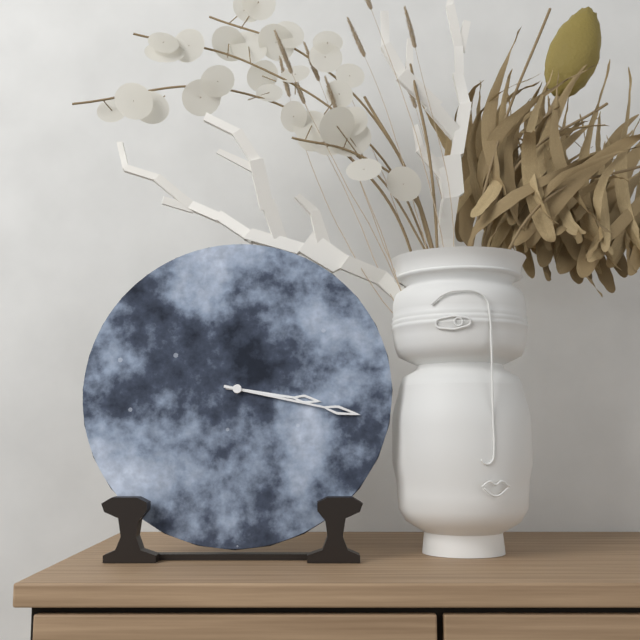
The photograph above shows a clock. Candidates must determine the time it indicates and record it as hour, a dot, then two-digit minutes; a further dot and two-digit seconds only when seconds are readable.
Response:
3.17
